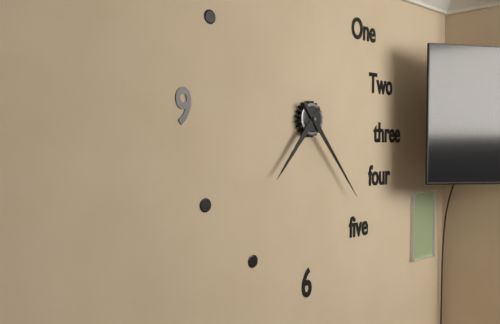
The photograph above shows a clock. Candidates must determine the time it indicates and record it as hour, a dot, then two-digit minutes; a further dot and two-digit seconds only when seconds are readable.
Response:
7.23
